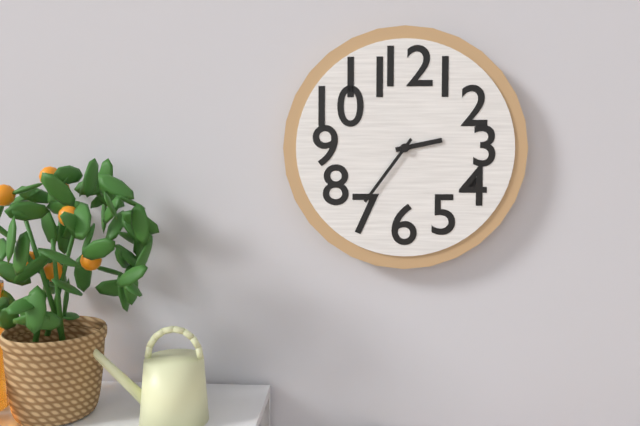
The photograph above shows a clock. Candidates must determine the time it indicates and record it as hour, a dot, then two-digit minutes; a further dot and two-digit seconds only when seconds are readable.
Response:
2.36
